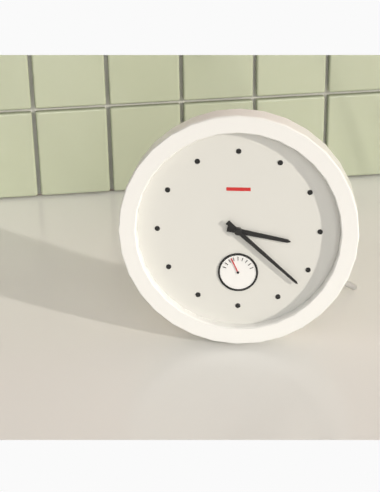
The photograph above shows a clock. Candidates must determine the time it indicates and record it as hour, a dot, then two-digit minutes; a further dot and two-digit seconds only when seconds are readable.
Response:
3.22
